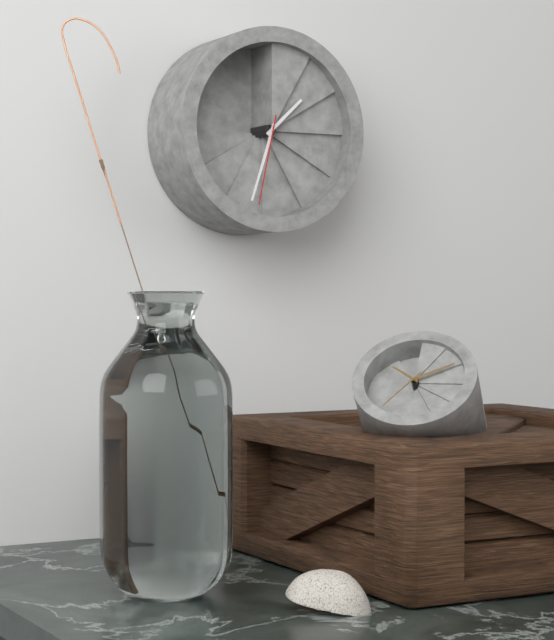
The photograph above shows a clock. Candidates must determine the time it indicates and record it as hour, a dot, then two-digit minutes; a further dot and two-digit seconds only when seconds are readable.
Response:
1.33.32
